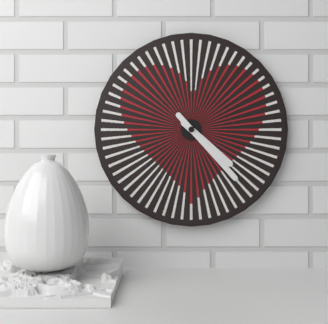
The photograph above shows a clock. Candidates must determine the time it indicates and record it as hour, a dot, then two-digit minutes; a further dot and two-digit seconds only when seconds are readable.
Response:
4.23
